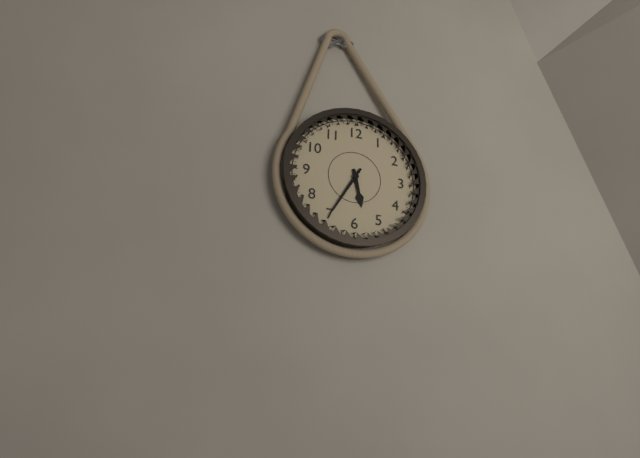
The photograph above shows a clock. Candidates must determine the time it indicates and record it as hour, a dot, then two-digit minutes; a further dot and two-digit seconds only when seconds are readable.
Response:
5.35
